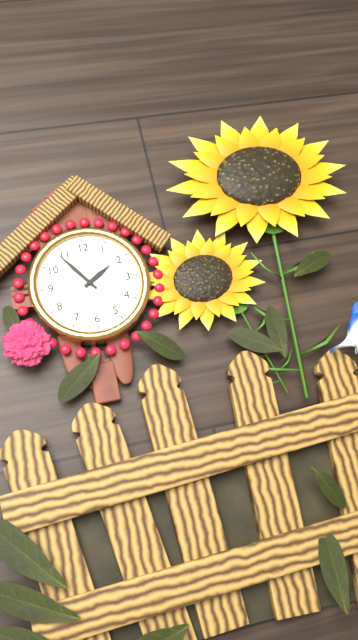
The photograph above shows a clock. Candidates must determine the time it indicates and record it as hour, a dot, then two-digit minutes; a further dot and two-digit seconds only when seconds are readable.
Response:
1.54
